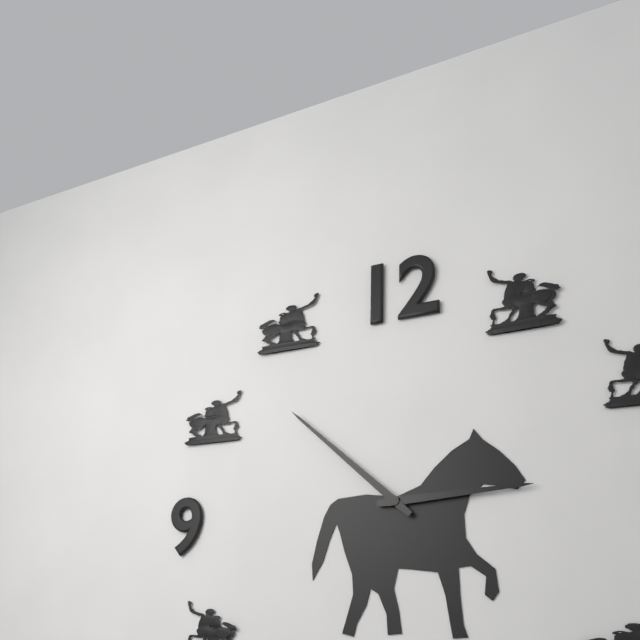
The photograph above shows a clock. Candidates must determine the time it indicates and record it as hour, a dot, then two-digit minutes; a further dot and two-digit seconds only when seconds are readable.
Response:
2.52
